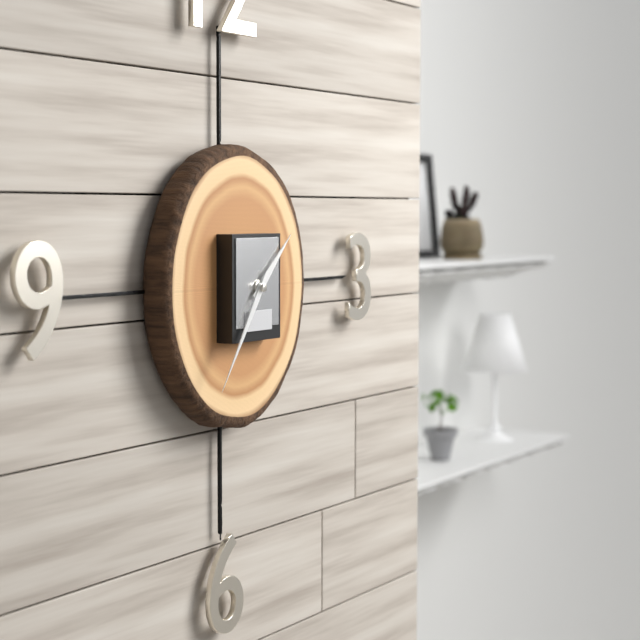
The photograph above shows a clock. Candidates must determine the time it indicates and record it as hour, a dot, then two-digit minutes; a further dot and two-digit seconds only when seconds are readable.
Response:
1.36
